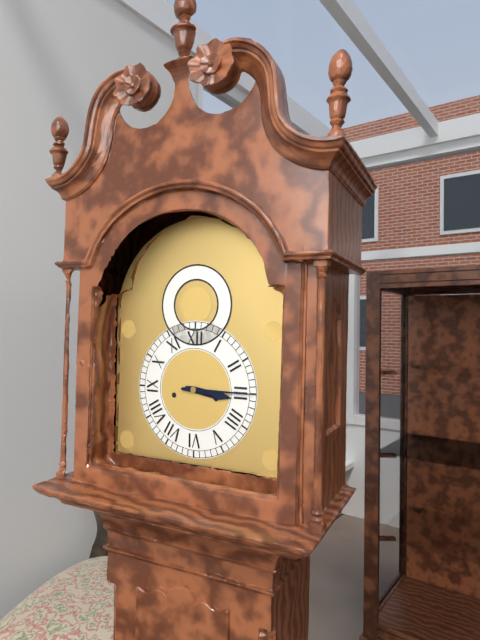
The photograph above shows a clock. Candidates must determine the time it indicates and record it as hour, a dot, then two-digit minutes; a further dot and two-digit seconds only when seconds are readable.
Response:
3.15
